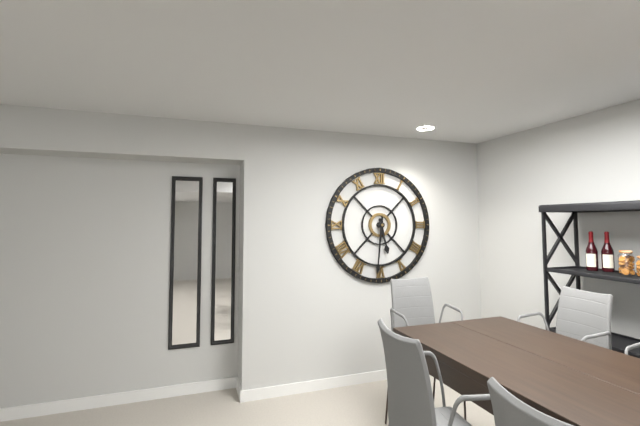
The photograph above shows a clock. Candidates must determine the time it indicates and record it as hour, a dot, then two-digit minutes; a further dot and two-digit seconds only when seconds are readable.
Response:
5.31
